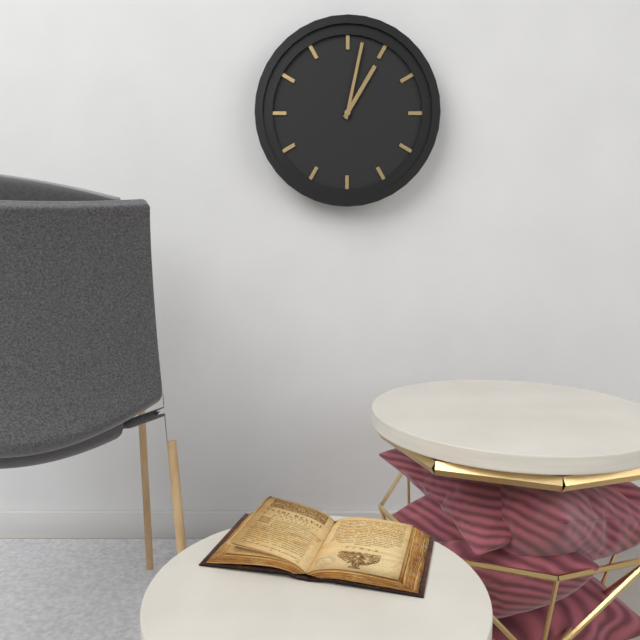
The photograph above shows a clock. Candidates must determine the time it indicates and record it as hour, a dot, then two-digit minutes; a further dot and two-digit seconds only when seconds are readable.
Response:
1.02
